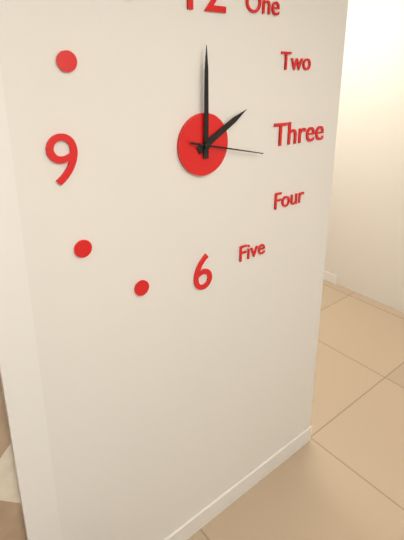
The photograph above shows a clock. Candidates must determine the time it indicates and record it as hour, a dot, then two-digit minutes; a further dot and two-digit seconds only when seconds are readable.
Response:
2.00.17
